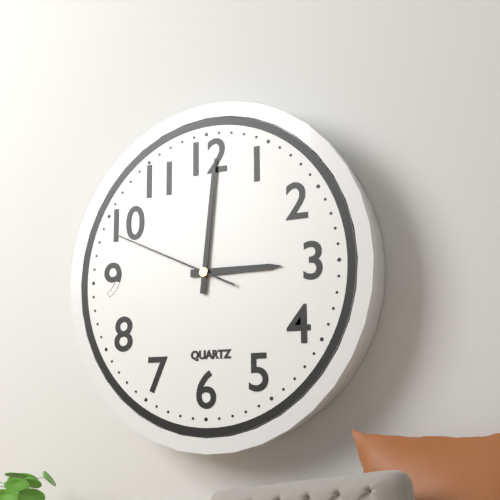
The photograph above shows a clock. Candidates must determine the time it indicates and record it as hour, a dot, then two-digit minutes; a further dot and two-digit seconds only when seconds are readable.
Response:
3.01.49
